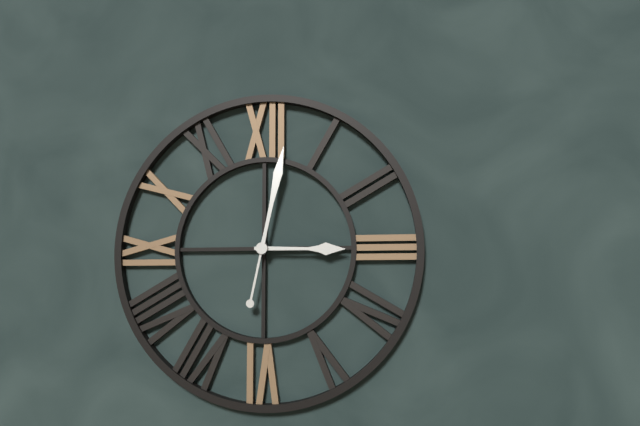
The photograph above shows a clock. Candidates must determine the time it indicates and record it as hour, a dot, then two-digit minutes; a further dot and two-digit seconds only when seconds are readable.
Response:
3.02
